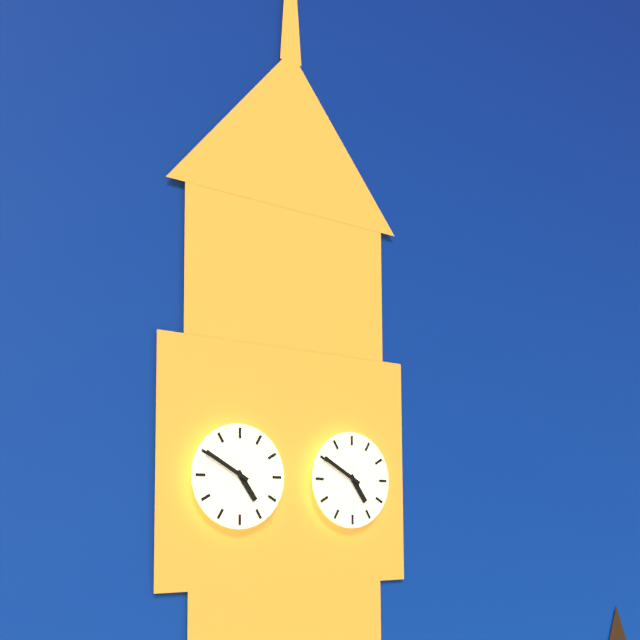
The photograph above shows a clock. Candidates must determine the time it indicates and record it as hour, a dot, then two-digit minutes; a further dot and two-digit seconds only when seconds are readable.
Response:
4.50
